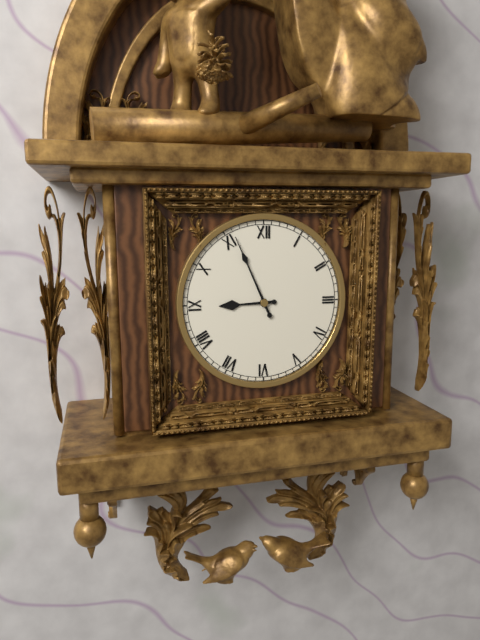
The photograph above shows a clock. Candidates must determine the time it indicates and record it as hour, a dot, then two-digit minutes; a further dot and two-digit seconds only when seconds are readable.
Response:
8.56
